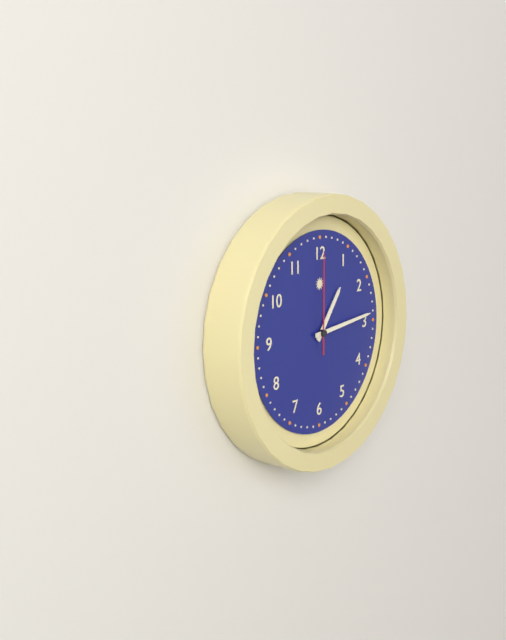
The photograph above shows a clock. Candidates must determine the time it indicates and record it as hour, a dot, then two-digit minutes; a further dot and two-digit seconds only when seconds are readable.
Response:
1.14.00
